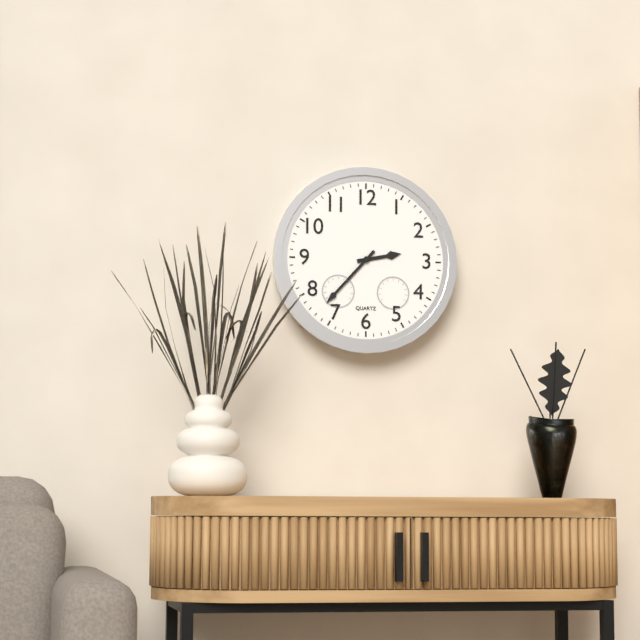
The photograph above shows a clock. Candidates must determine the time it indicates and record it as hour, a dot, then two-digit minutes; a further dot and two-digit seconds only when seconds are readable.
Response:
2.37
